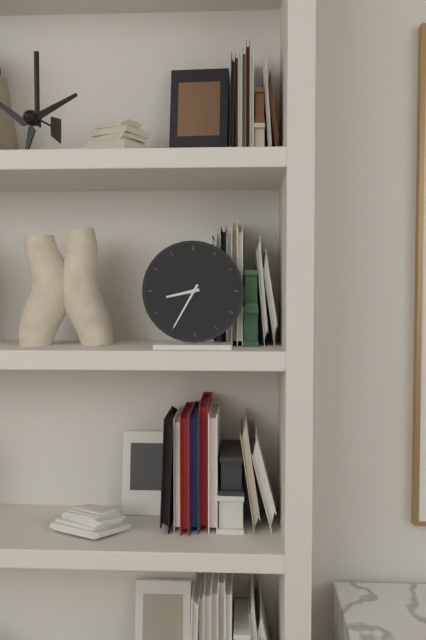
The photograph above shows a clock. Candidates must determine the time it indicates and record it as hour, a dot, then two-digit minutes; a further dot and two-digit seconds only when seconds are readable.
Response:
8.35
